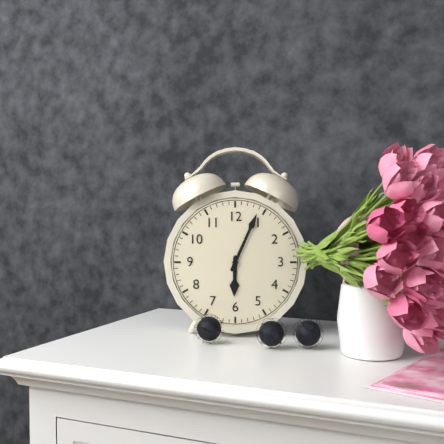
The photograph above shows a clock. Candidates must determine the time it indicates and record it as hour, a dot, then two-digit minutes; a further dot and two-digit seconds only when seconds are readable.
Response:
6.04
